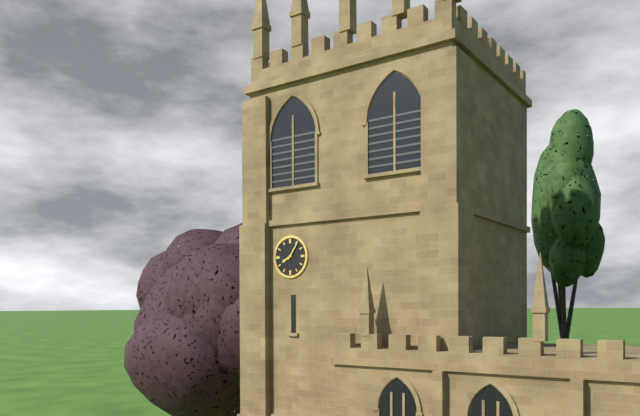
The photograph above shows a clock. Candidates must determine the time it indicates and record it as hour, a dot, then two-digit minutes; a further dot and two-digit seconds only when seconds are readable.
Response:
8.06
